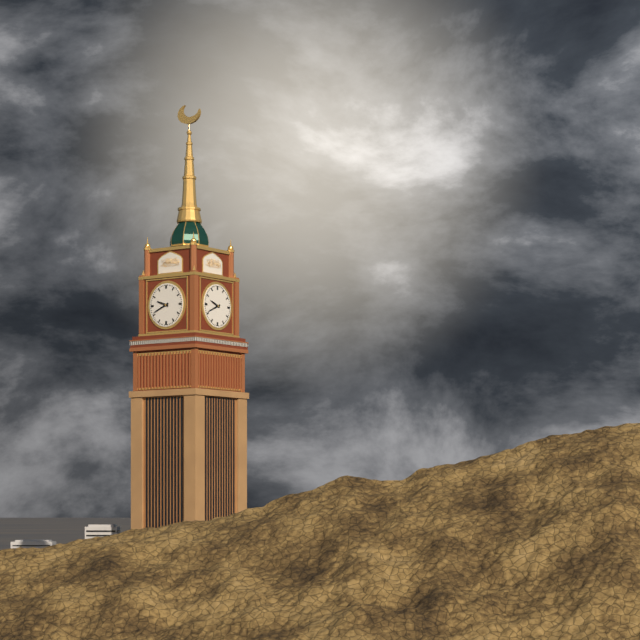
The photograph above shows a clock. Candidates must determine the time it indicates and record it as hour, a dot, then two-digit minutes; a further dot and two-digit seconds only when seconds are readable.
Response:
9.41
